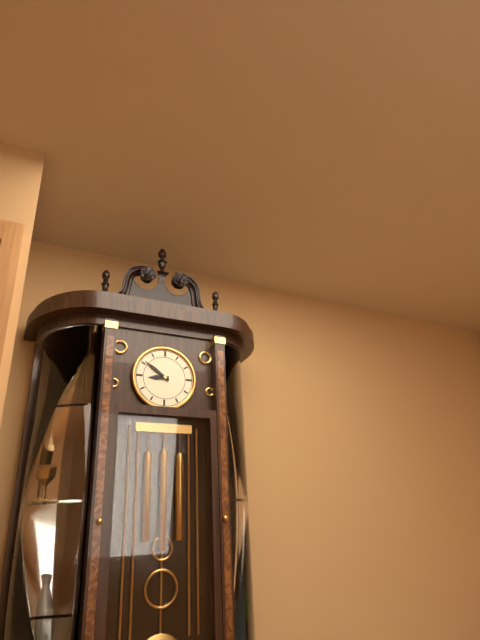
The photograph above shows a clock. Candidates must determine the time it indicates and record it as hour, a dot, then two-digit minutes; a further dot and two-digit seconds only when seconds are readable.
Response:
8.51
